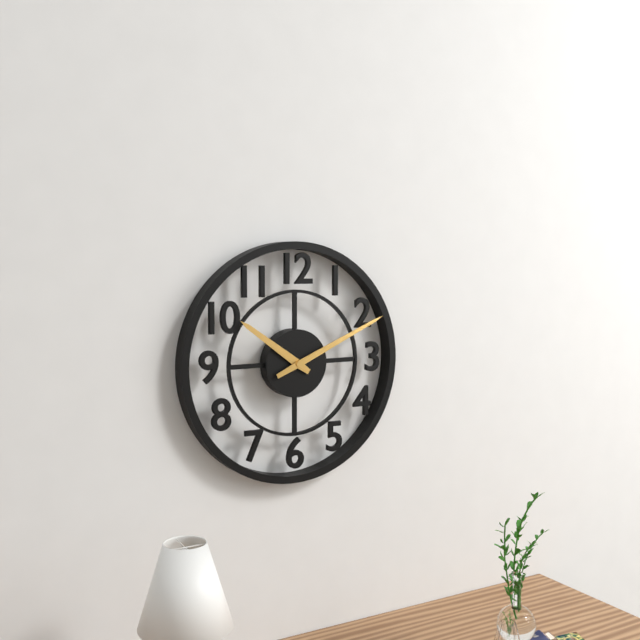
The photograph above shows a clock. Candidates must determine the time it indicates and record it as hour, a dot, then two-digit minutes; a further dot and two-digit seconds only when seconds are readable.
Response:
10.11
